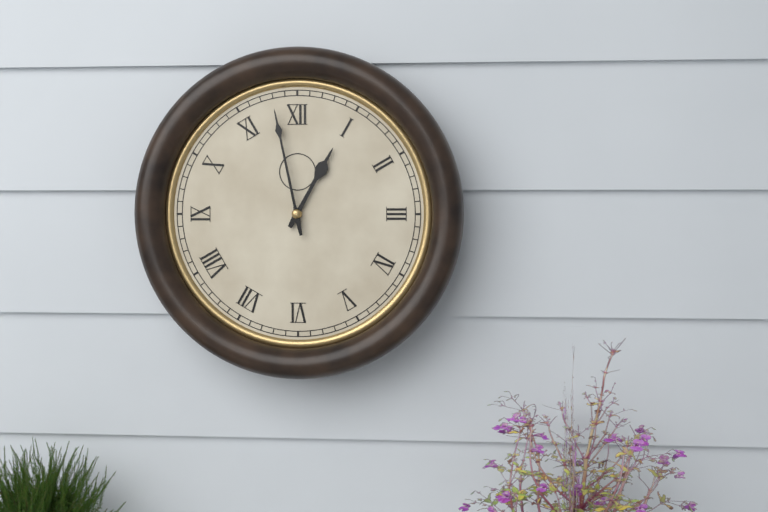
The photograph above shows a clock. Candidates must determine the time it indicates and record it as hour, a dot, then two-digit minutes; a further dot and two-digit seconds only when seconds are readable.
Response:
12.58
